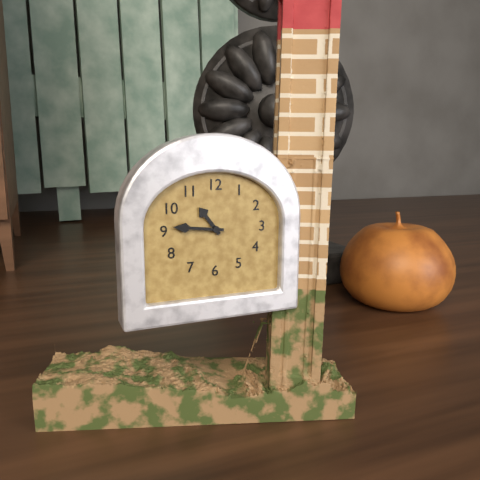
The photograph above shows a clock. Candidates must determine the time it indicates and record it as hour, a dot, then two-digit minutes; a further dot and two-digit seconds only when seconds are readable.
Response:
10.46
